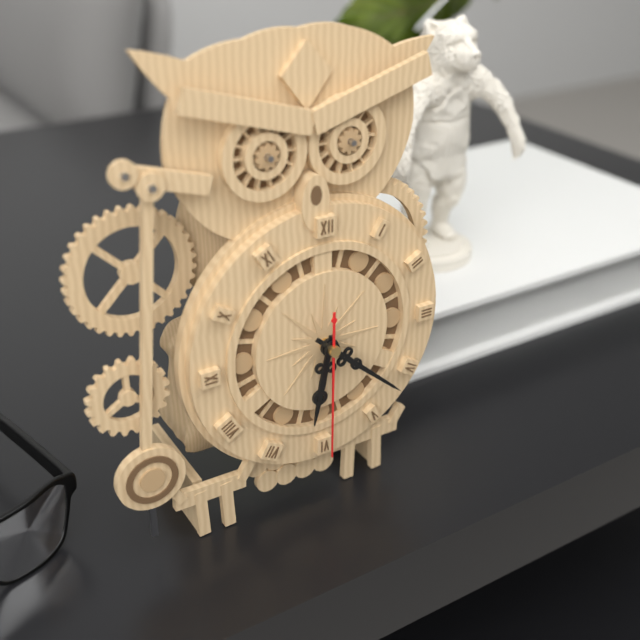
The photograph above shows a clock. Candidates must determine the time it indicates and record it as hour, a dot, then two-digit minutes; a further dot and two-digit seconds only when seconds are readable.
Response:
6.22.30
